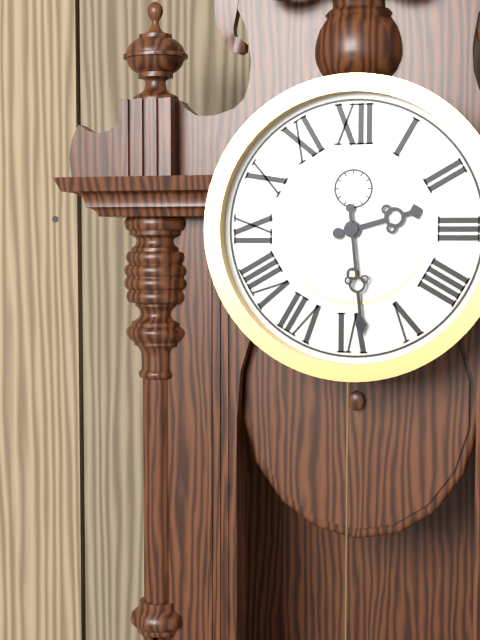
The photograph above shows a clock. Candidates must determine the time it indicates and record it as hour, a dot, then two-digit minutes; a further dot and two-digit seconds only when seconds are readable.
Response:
2.29
